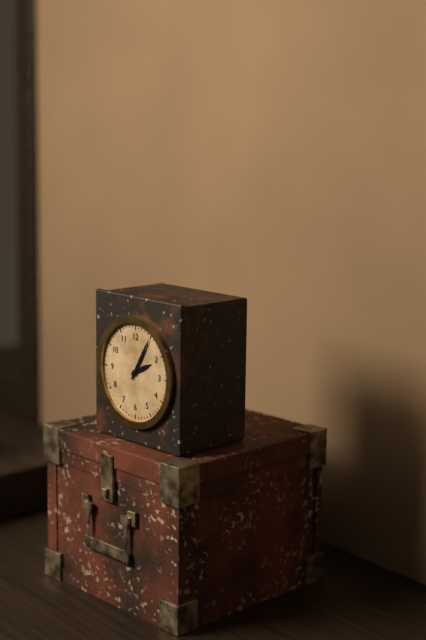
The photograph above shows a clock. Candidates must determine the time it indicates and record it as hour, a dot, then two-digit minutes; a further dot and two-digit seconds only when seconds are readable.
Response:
2.05
